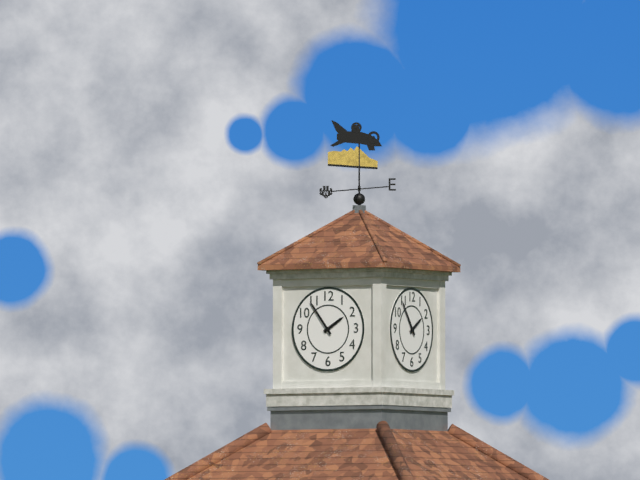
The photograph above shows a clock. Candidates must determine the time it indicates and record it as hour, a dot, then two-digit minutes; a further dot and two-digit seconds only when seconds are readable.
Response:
1.54
